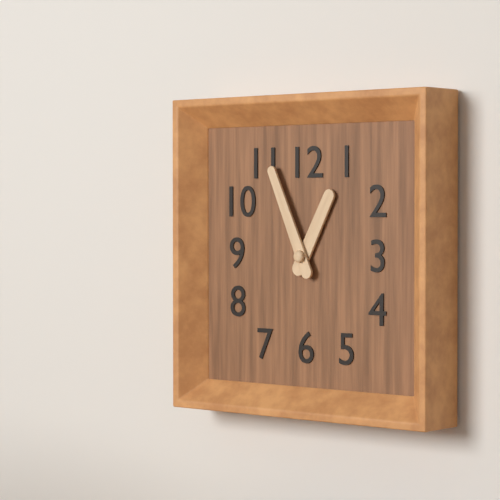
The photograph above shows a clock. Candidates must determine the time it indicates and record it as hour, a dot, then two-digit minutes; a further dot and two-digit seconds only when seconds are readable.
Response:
12.56
